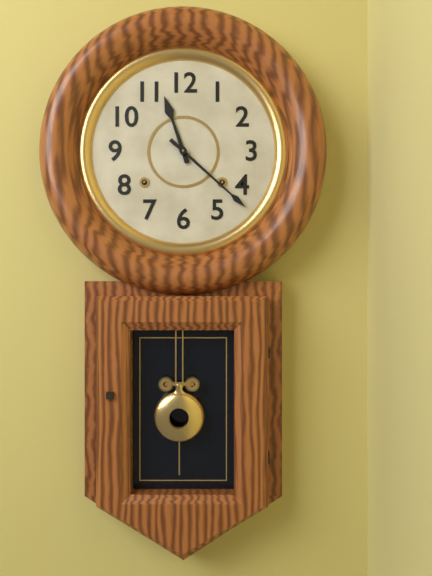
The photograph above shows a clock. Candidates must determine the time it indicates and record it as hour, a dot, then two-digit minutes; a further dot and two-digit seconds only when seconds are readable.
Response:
11.22
